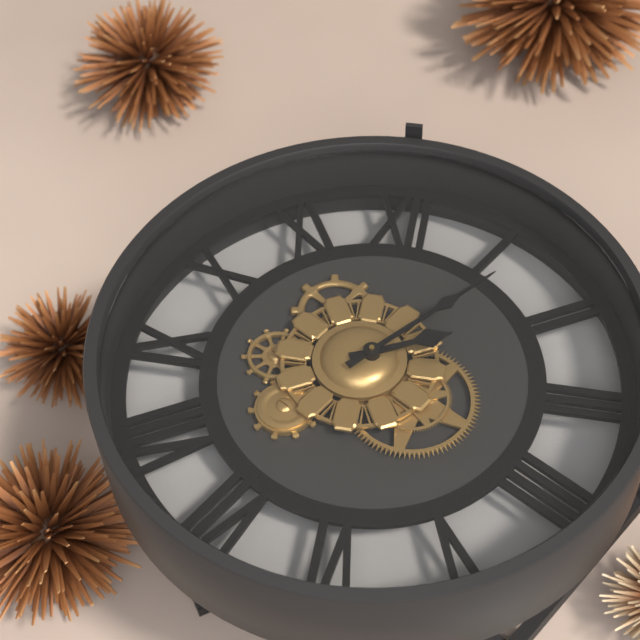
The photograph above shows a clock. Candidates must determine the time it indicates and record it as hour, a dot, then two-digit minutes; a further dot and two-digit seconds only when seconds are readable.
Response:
2.07
